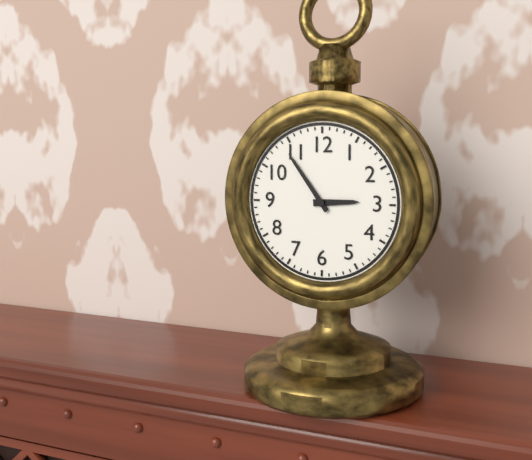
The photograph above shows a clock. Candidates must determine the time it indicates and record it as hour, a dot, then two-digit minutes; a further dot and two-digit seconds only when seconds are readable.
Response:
2.54
